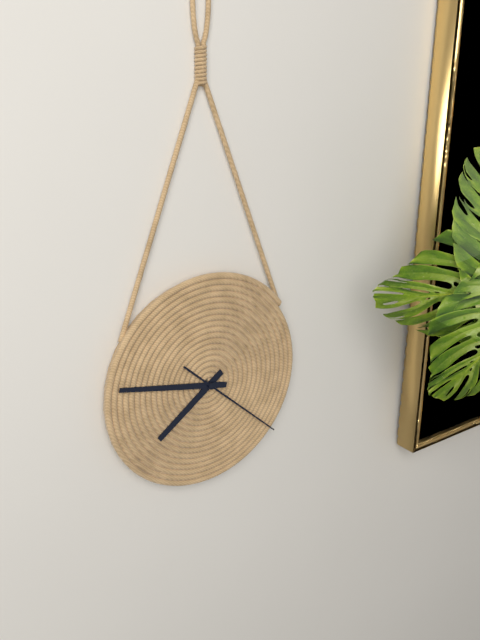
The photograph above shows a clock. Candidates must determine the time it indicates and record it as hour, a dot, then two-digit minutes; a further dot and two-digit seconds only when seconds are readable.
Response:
7.47.22
